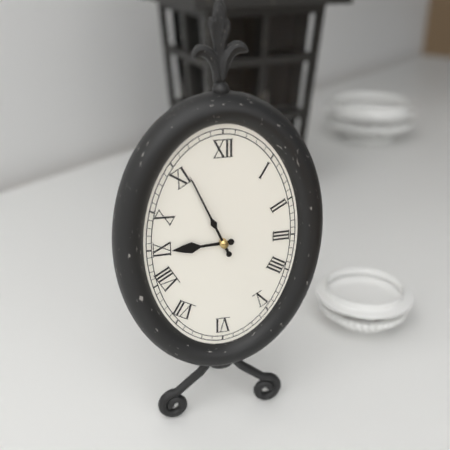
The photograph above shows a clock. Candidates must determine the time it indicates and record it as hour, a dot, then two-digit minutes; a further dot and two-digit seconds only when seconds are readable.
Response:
8.56
